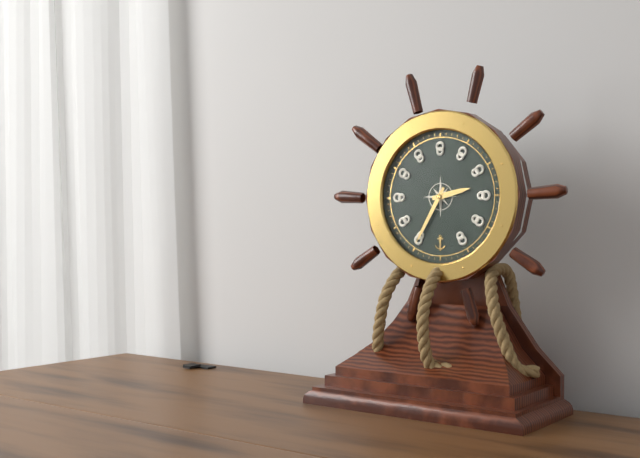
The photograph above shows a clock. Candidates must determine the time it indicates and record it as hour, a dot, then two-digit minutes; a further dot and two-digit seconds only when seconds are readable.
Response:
2.35
